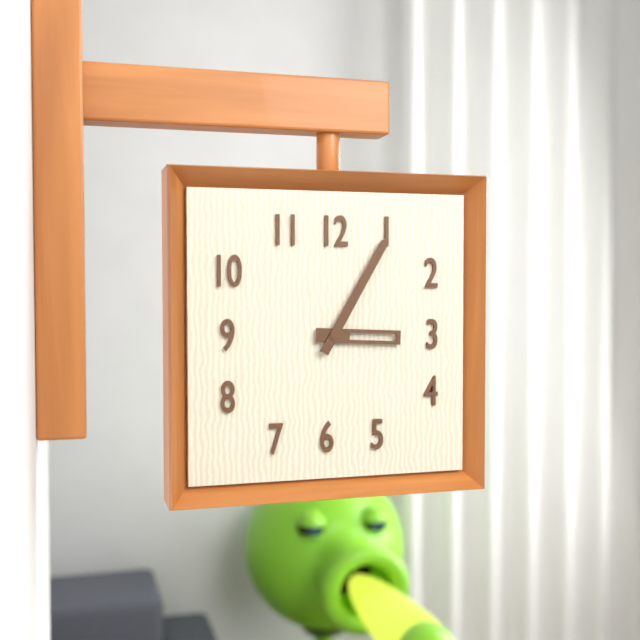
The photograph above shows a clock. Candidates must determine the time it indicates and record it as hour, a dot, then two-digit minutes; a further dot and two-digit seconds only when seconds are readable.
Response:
3.05
